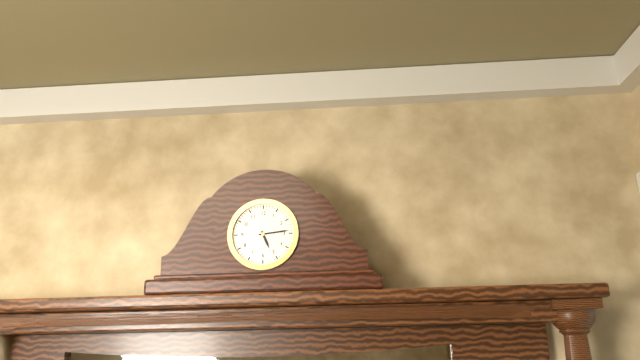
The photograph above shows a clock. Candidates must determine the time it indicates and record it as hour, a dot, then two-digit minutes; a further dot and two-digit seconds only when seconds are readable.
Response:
5.14
